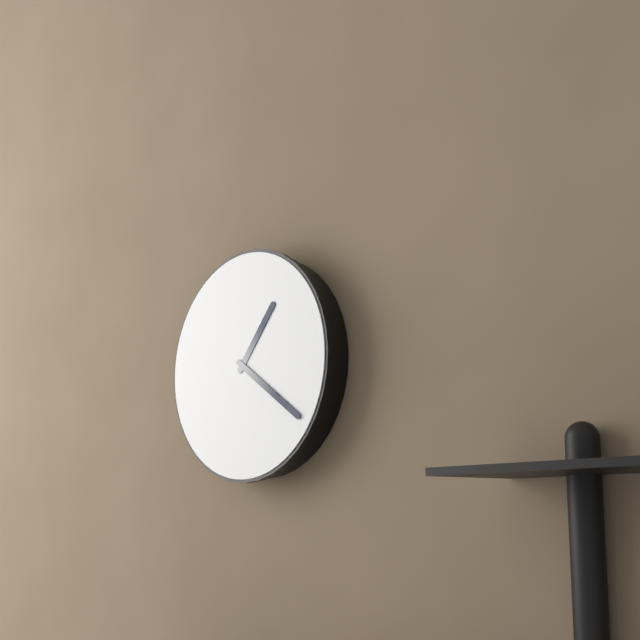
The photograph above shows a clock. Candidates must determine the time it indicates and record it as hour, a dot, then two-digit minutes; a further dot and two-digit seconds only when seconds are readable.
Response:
1.21
